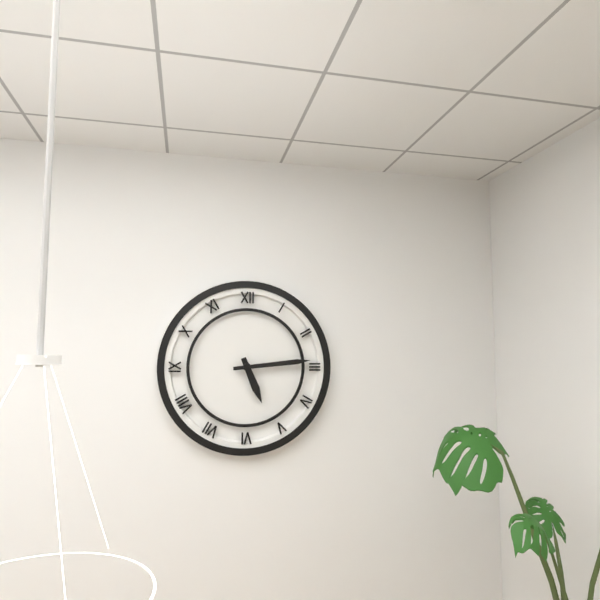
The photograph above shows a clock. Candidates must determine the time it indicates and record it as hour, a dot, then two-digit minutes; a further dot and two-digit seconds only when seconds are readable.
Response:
5.14
